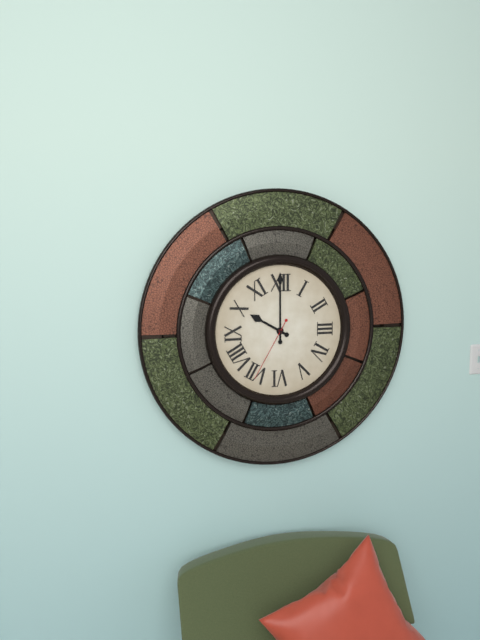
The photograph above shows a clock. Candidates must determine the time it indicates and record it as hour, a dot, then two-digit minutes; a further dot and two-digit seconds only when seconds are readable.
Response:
10.00.35
